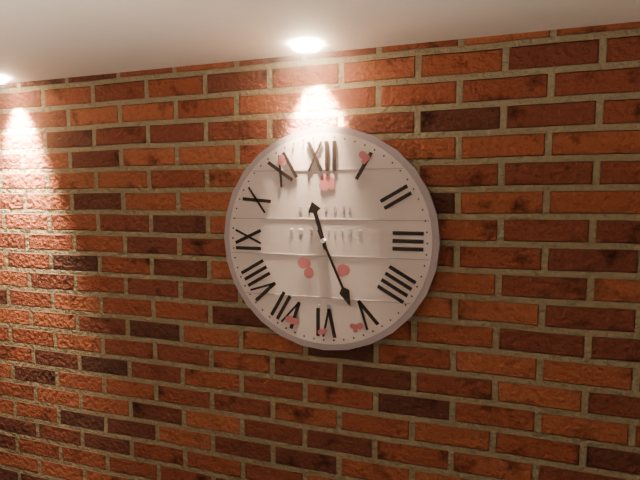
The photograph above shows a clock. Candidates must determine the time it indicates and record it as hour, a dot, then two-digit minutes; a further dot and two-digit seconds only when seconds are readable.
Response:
11.26
